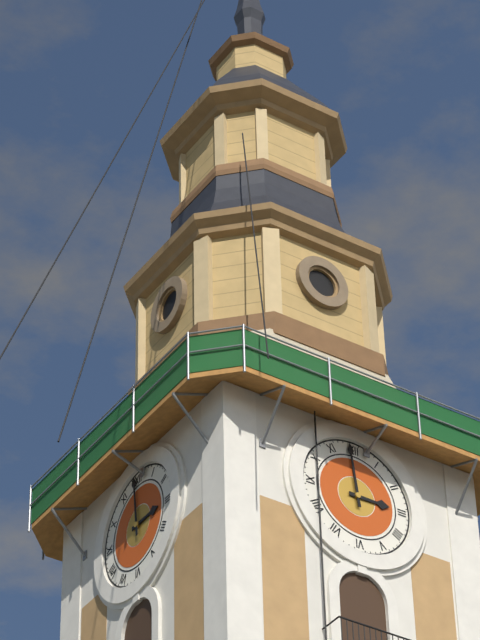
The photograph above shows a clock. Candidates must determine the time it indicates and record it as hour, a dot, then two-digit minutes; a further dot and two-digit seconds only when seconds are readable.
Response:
2.59
